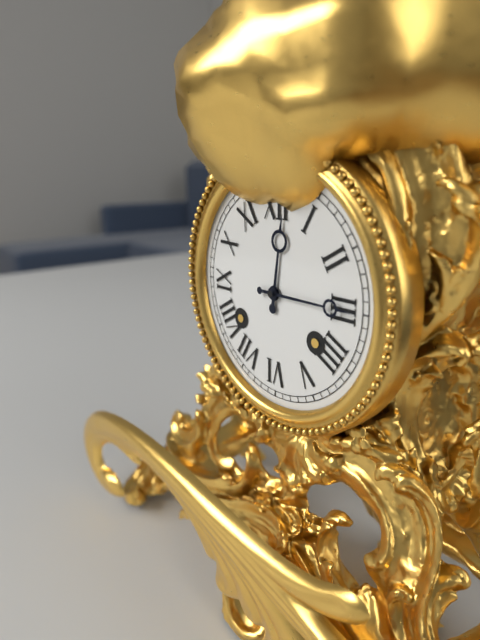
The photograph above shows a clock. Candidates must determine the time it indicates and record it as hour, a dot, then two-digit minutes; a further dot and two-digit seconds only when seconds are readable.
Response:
12.15
